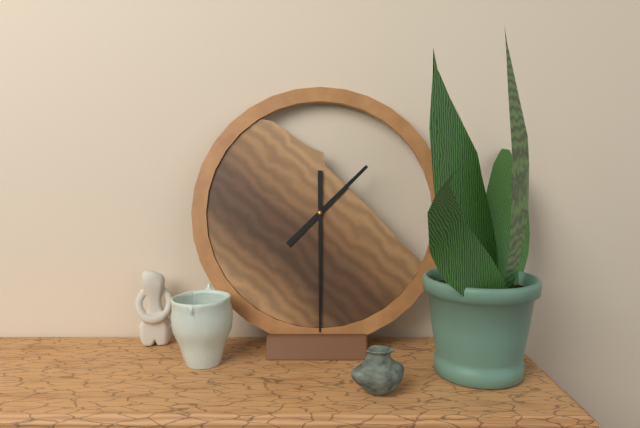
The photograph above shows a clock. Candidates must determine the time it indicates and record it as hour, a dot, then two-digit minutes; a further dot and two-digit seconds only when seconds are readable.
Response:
1.30
